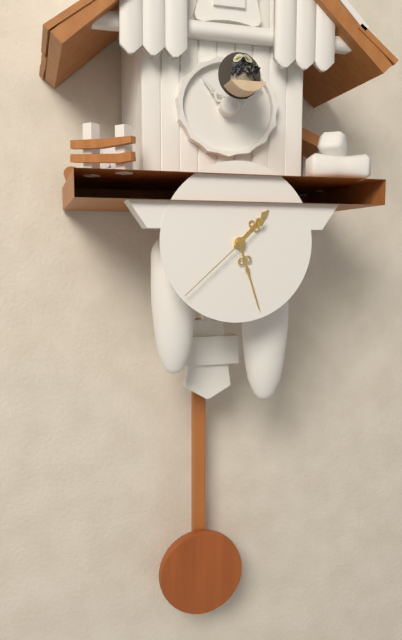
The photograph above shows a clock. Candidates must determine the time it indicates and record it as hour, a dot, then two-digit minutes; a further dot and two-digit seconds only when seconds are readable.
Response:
1.27.38
